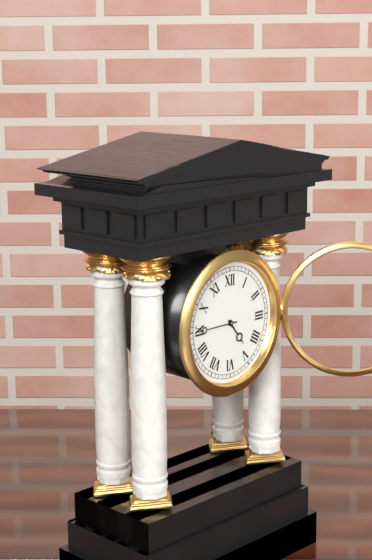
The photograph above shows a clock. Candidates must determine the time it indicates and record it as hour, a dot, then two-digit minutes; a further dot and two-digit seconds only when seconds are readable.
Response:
4.45
